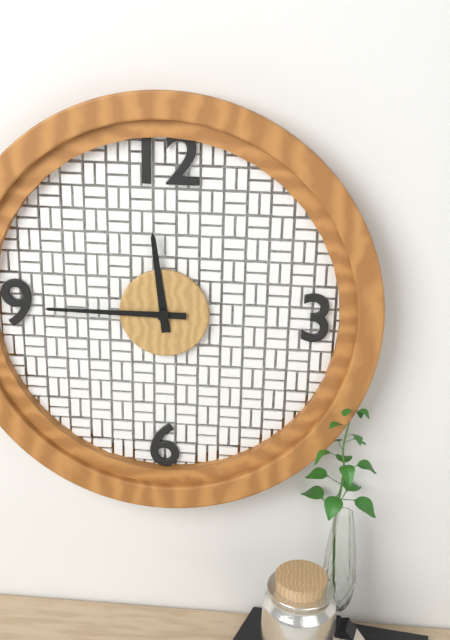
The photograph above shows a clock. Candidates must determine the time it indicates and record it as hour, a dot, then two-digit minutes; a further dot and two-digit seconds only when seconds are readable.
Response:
11.45
